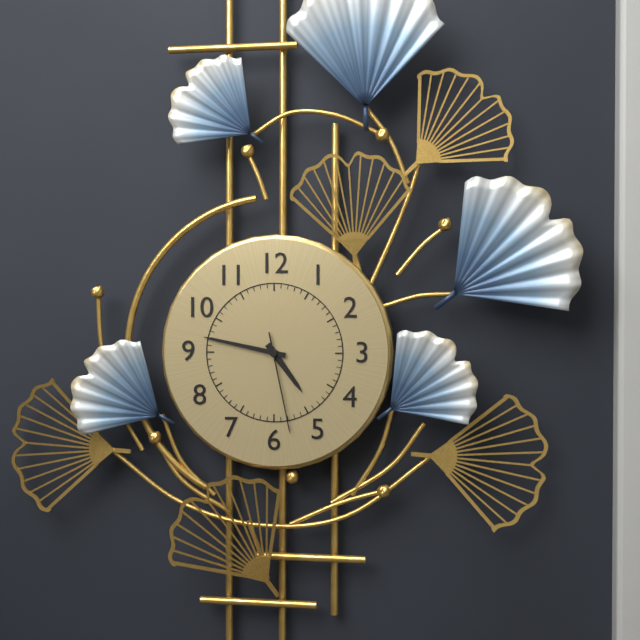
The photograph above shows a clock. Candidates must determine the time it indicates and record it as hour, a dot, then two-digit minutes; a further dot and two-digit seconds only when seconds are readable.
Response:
4.47.28
